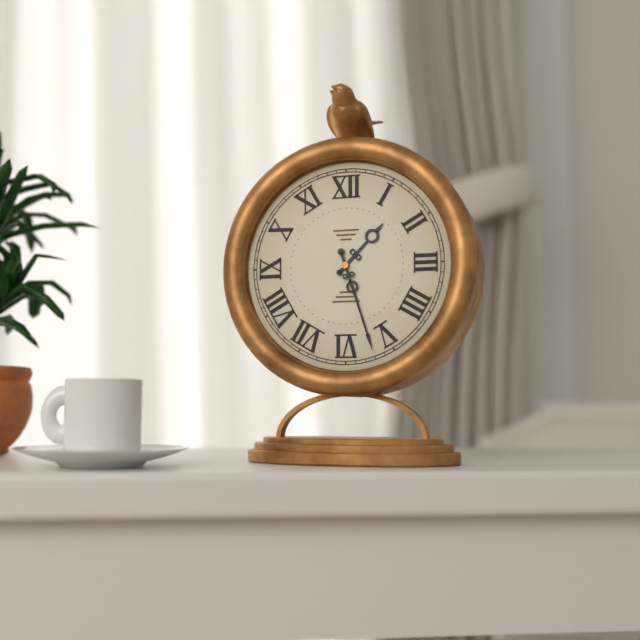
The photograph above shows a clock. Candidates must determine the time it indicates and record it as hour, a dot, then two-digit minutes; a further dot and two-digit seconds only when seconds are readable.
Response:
1.27
